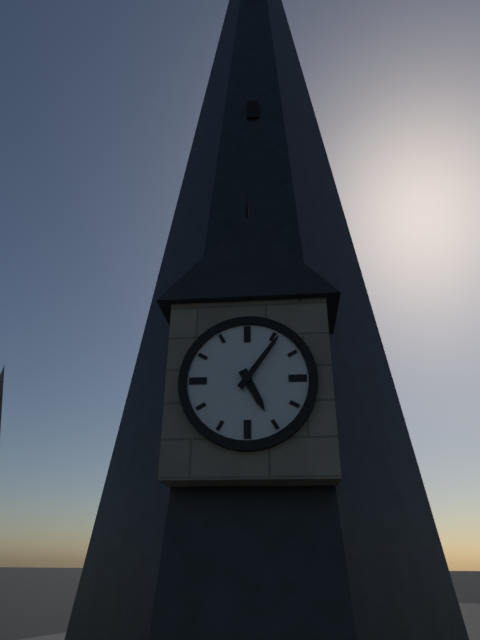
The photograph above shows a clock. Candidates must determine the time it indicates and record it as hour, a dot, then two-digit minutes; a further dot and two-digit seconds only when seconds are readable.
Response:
5.06
